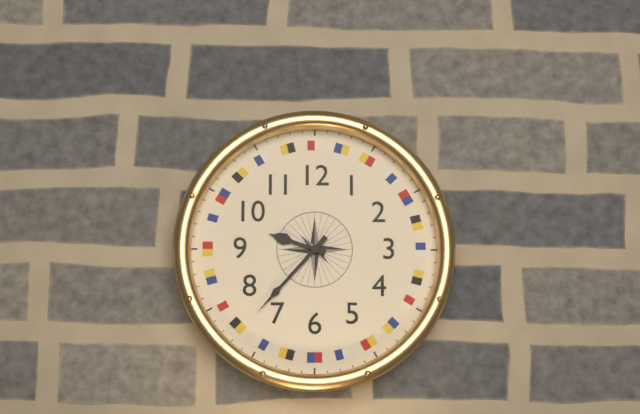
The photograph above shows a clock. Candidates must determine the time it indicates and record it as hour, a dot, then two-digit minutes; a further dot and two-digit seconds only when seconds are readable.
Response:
9.37
